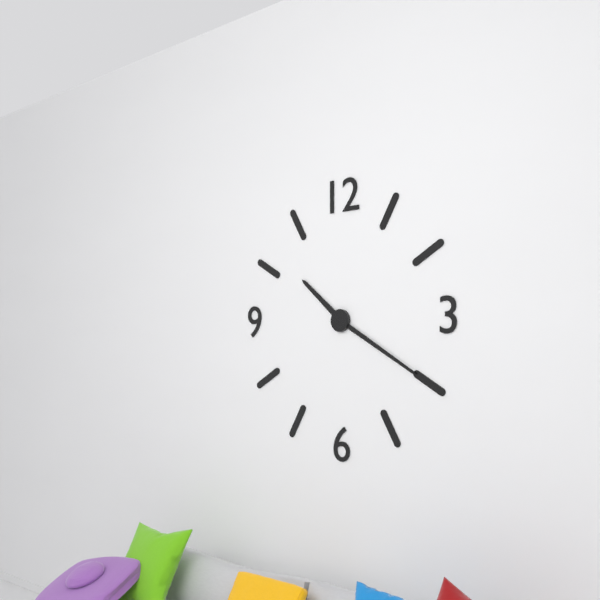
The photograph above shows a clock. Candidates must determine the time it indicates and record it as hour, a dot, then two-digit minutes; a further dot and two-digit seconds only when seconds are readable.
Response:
10.20
